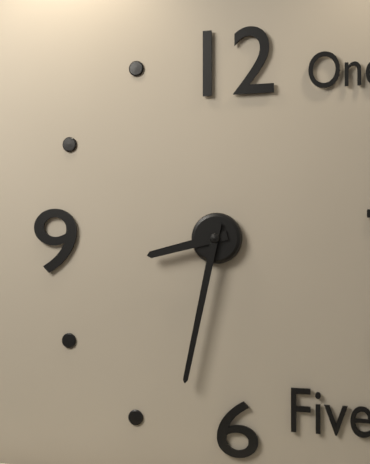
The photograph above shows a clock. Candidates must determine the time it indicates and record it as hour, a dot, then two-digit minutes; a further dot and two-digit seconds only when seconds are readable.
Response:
8.32
